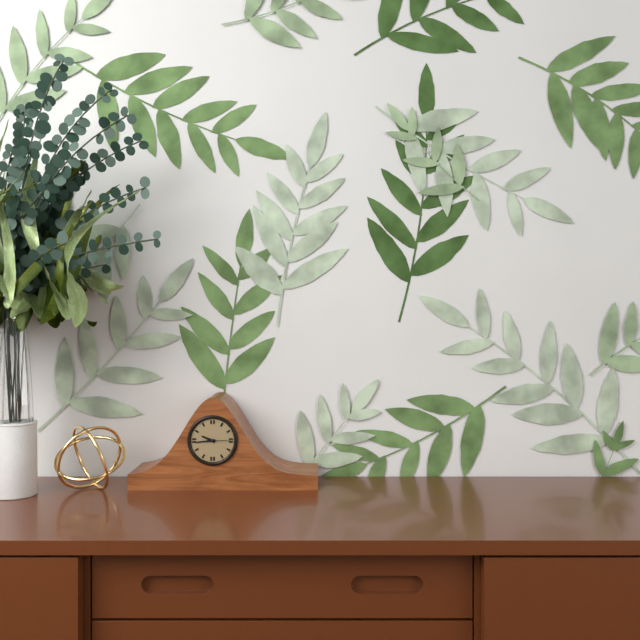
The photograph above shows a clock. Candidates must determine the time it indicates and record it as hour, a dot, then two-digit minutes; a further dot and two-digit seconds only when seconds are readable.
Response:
9.44
